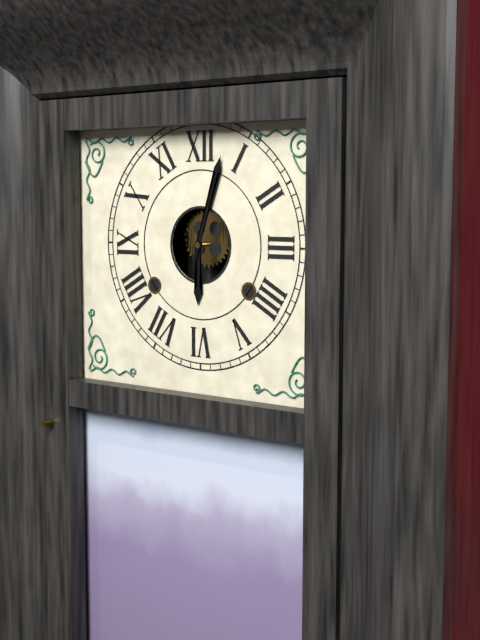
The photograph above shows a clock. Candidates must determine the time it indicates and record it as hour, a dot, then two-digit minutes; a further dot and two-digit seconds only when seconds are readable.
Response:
6.03
